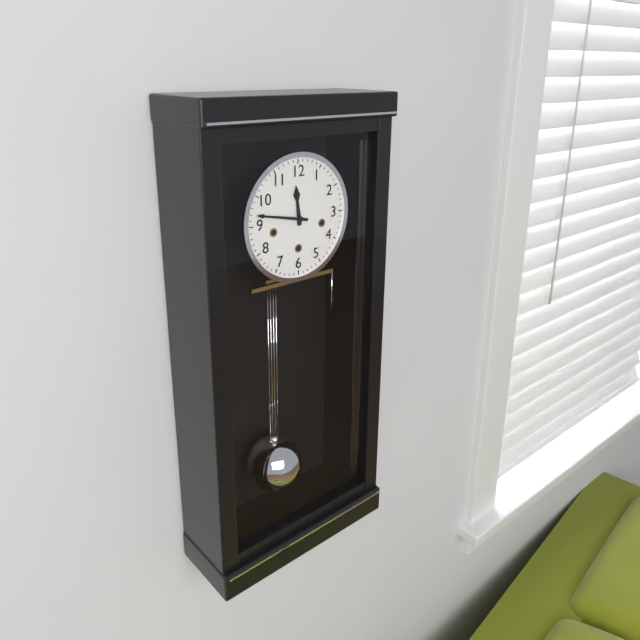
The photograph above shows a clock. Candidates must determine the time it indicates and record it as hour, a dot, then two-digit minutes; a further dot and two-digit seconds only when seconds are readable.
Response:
11.47
